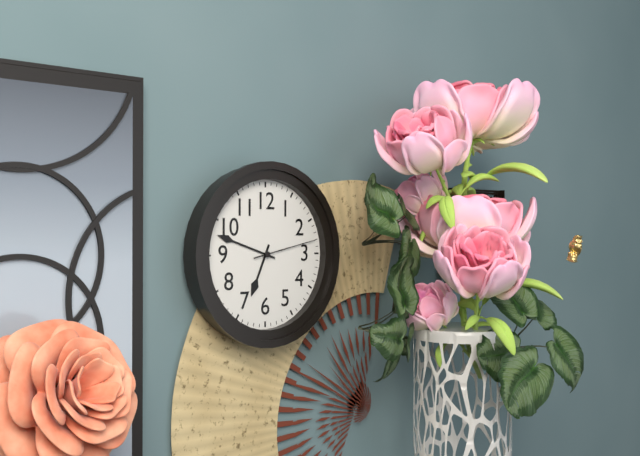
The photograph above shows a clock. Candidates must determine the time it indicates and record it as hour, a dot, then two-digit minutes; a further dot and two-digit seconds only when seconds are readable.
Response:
6.48.13
